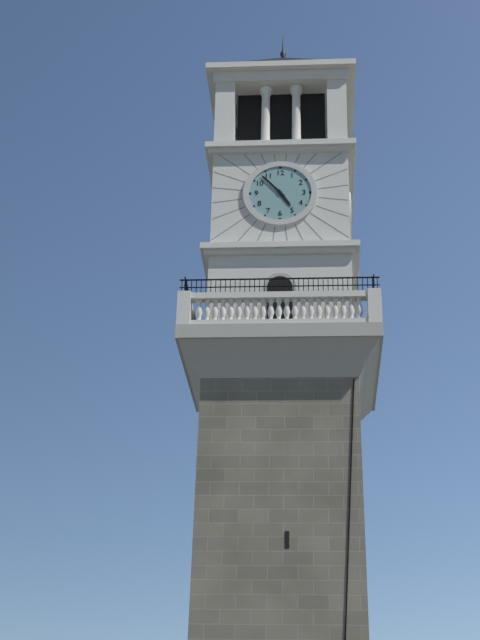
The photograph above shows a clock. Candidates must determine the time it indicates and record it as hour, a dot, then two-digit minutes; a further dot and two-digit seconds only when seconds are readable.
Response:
4.53
